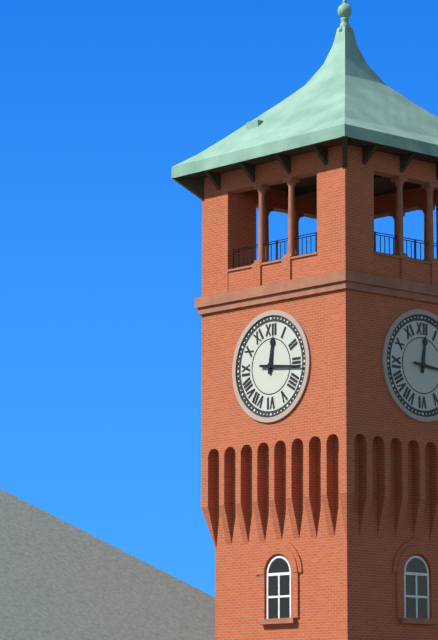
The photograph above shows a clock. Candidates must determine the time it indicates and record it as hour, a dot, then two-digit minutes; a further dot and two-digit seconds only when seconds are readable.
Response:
12.16
